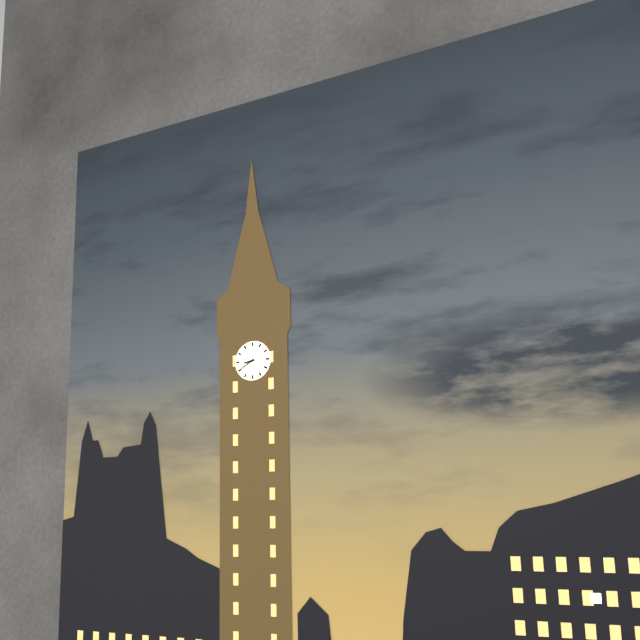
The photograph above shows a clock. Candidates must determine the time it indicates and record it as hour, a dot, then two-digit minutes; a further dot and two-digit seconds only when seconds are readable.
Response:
8.40
